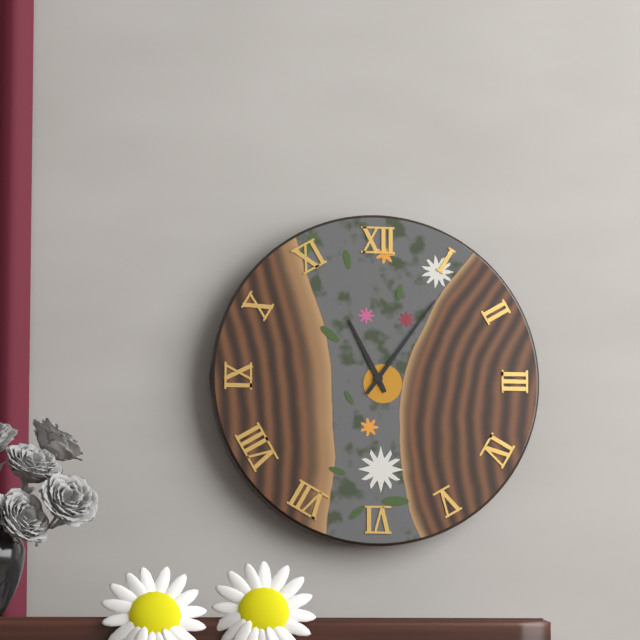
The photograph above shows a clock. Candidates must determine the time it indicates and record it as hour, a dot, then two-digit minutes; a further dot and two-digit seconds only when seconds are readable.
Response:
11.06
